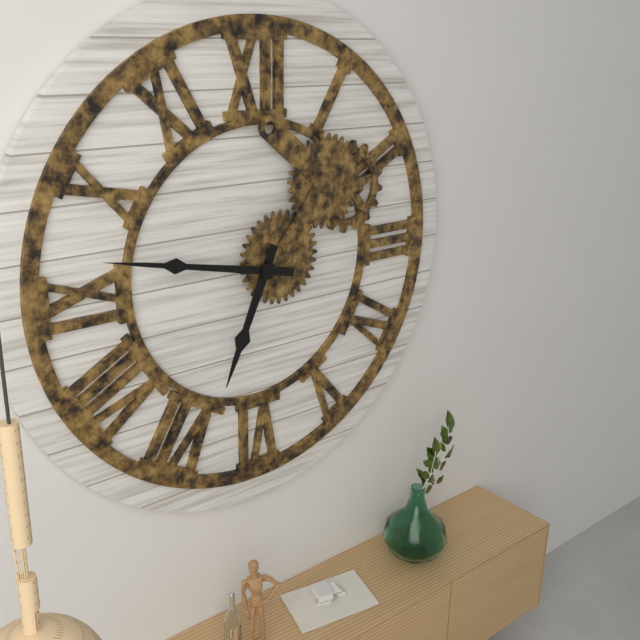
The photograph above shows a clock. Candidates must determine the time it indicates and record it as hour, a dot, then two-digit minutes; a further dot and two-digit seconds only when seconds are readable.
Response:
6.47
